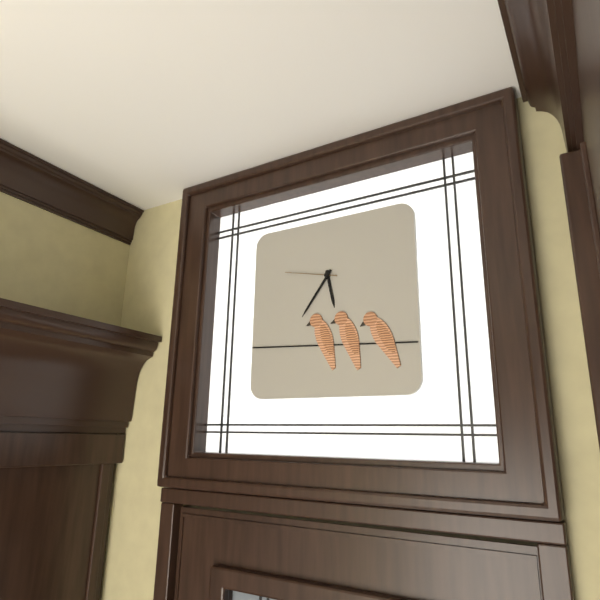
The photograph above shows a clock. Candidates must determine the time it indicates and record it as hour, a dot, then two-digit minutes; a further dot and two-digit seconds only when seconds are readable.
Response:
5.36.47
